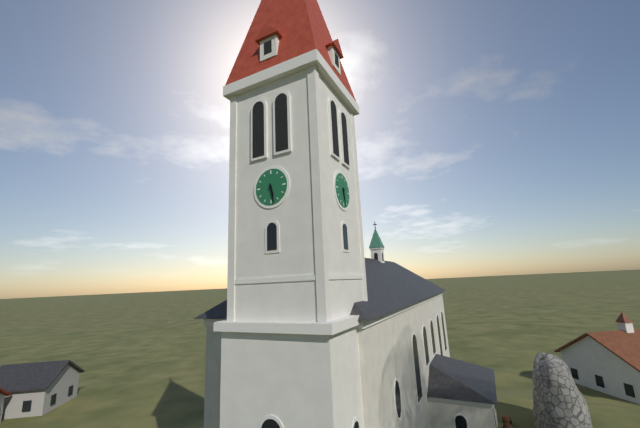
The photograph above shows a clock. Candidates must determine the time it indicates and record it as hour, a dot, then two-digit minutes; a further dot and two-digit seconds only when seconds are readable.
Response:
5.28
